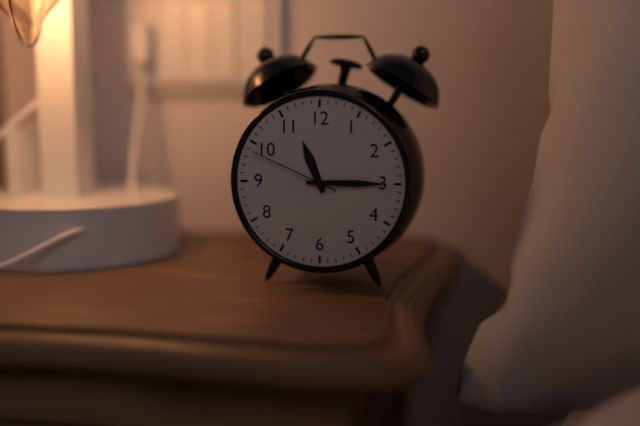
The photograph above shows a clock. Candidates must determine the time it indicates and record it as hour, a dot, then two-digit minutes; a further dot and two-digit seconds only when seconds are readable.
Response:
11.15.49
